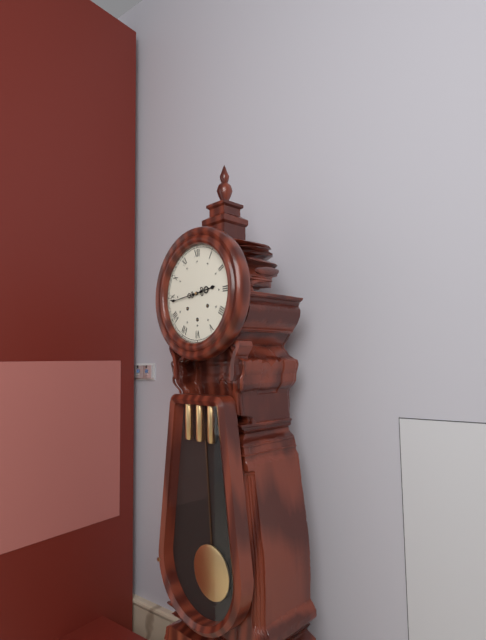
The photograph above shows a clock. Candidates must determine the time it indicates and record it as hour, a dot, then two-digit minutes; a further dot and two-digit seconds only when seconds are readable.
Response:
2.44
